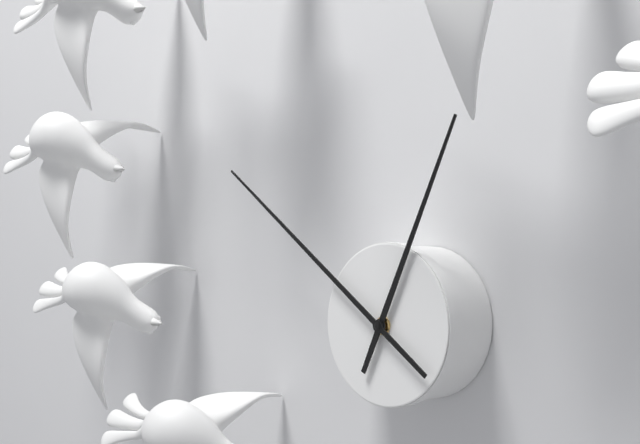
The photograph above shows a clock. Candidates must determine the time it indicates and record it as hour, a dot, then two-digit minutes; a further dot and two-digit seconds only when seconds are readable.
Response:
12.51
